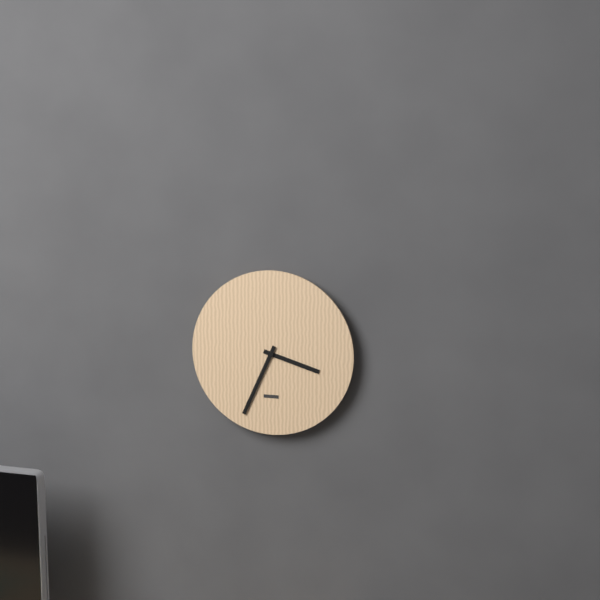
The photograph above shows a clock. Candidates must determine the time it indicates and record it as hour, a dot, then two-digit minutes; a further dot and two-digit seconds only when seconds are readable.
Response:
3.34
